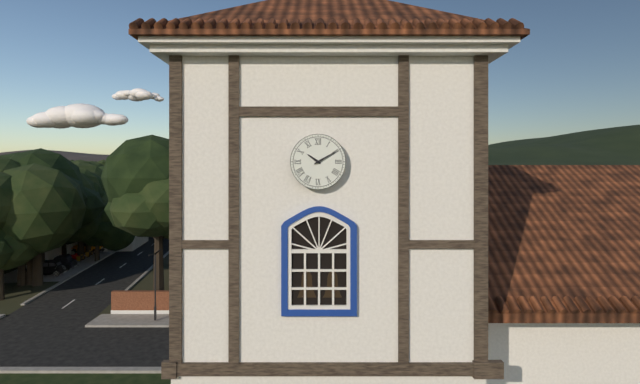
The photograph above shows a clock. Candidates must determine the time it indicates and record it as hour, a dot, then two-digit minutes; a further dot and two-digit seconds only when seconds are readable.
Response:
10.10
